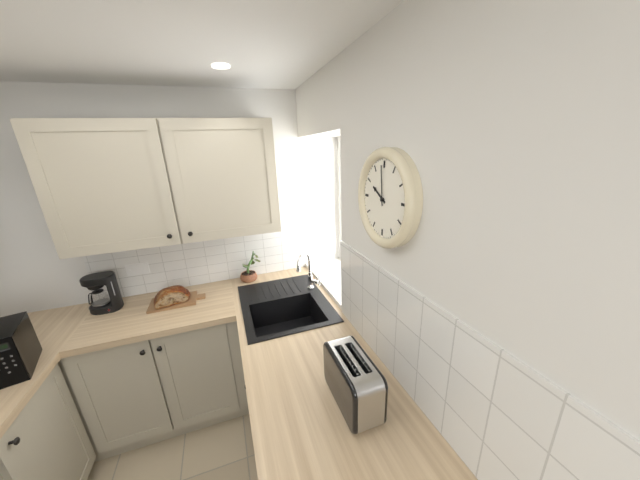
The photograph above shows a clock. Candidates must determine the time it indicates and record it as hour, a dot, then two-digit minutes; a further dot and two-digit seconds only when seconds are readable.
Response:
9.59
